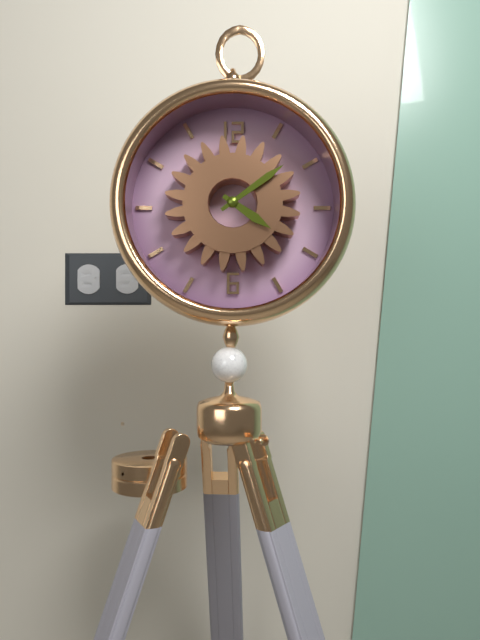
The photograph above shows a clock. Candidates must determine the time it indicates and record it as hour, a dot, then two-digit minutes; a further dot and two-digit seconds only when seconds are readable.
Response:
4.09
